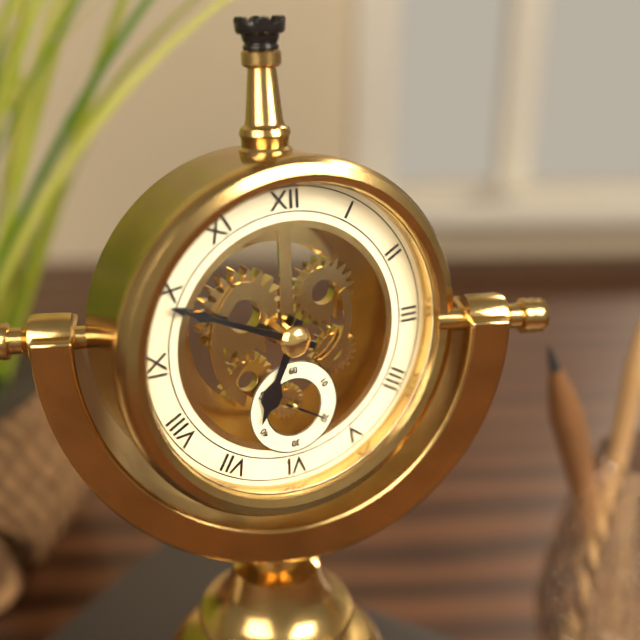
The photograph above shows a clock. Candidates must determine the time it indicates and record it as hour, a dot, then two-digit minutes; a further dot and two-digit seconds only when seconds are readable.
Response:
6.49
